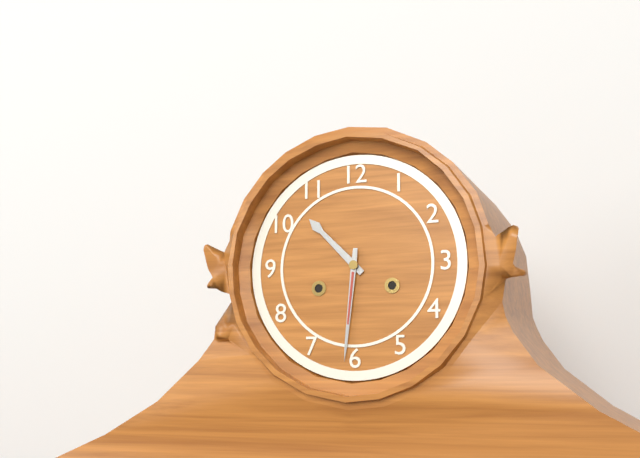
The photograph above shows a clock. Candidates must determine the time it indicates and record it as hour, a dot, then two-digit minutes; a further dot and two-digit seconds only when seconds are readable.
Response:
10.31
